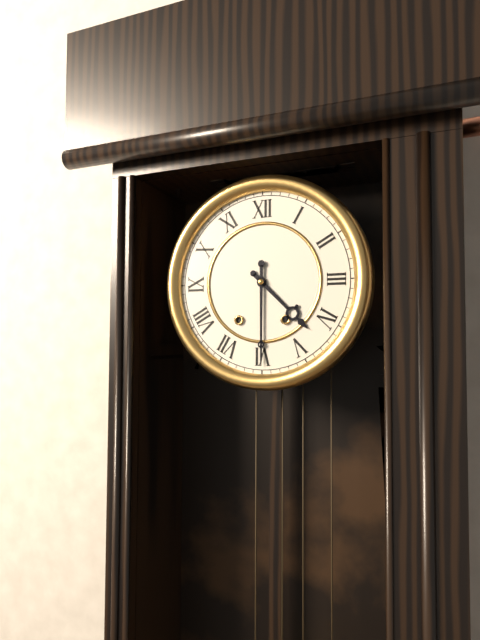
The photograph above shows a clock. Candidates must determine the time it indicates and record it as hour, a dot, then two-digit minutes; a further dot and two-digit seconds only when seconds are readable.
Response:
4.30
